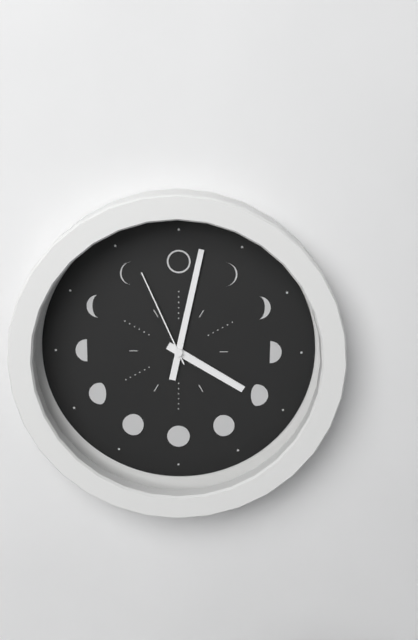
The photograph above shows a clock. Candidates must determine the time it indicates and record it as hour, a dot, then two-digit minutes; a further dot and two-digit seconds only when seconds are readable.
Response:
4.02.56
